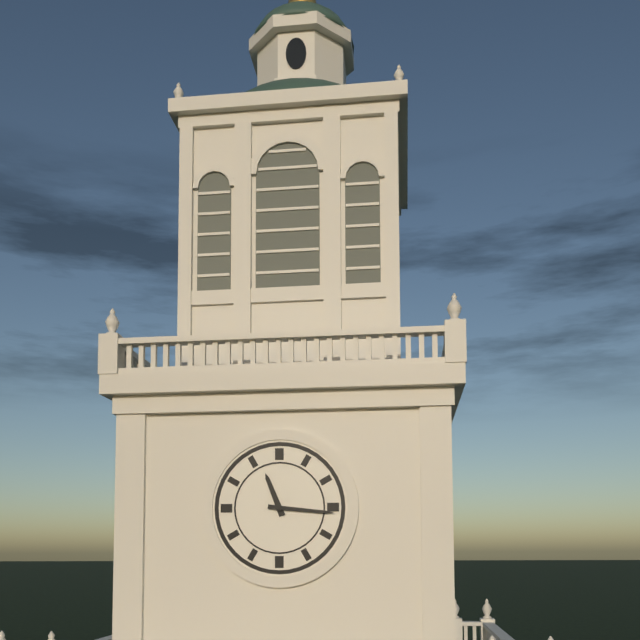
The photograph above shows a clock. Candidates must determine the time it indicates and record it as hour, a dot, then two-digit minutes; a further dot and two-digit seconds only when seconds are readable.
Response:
11.16
